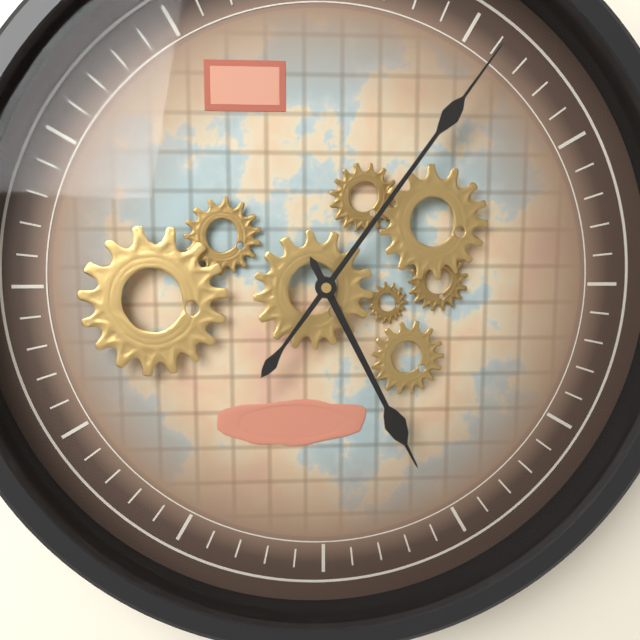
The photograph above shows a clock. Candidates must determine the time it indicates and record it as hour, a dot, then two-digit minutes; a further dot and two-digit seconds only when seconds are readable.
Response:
5.06
